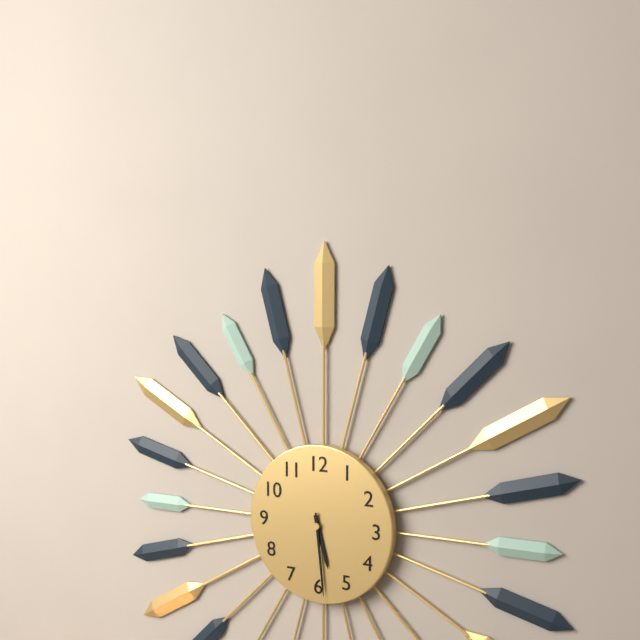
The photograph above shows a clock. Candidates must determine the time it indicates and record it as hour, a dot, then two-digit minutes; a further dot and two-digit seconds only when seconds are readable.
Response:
5.29
